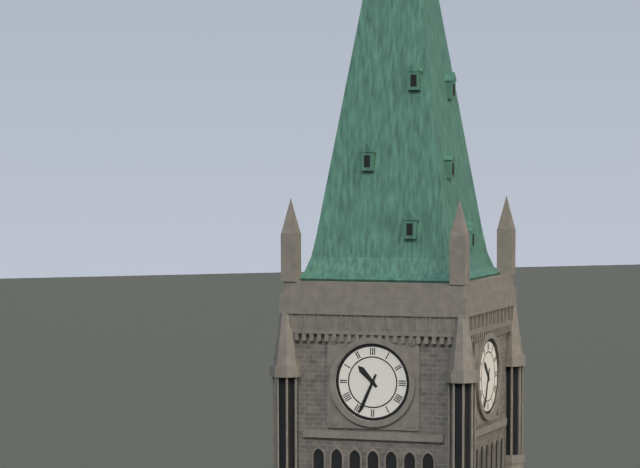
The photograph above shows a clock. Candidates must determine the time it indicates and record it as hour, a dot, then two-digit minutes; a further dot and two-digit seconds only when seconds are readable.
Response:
10.34
